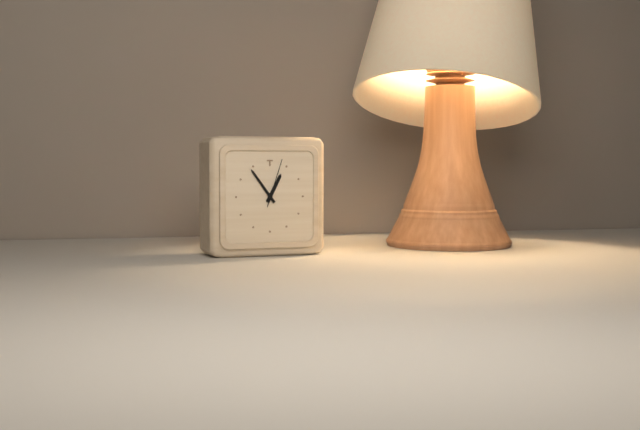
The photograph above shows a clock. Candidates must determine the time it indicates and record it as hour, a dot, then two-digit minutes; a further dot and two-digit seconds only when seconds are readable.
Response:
12.54
